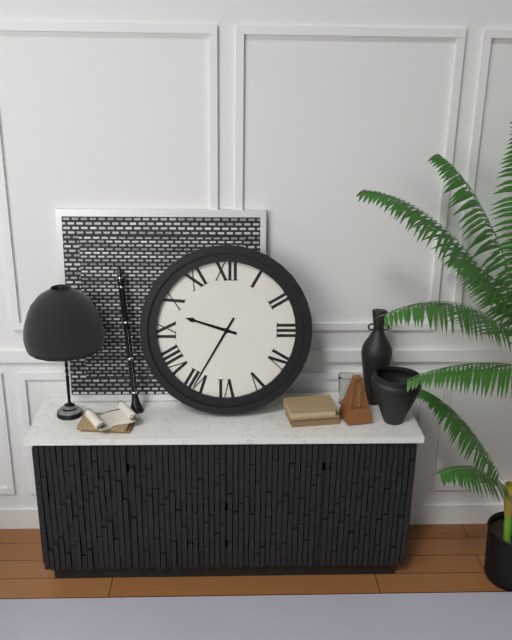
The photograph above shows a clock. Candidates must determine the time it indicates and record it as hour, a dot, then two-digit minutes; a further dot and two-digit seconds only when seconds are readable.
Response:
9.35
